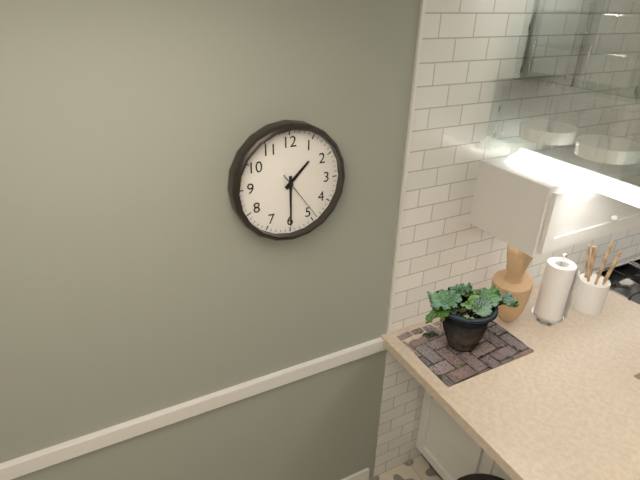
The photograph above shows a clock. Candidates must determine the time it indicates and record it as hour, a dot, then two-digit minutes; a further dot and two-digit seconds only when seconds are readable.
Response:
1.30.24
